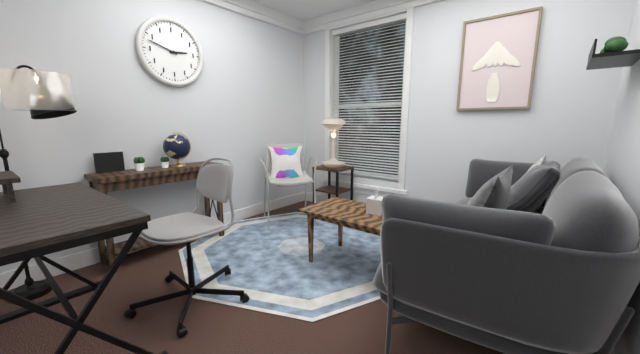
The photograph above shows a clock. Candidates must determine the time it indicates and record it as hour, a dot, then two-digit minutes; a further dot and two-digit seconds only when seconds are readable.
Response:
2.48
